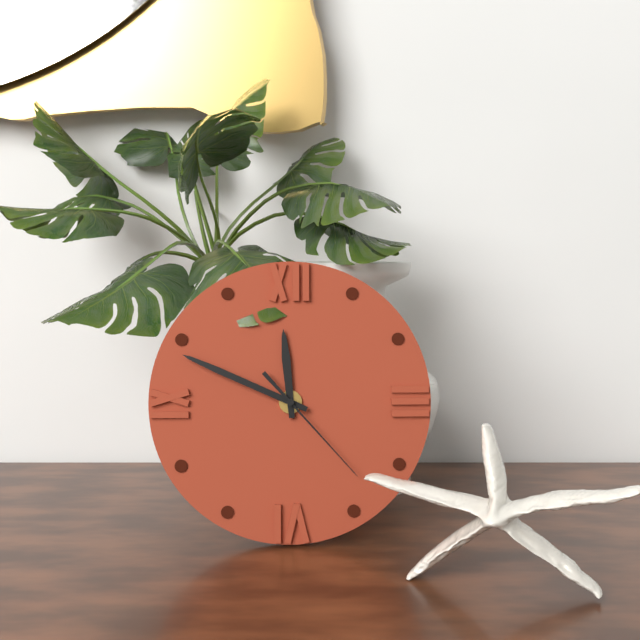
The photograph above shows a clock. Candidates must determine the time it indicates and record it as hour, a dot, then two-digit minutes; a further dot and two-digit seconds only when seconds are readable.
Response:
11.49.23
